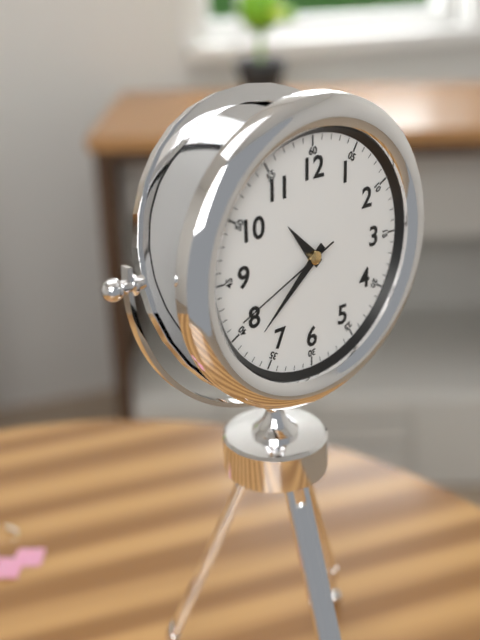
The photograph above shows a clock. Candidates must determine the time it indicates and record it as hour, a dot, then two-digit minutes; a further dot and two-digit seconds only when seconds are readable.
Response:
10.38.41
